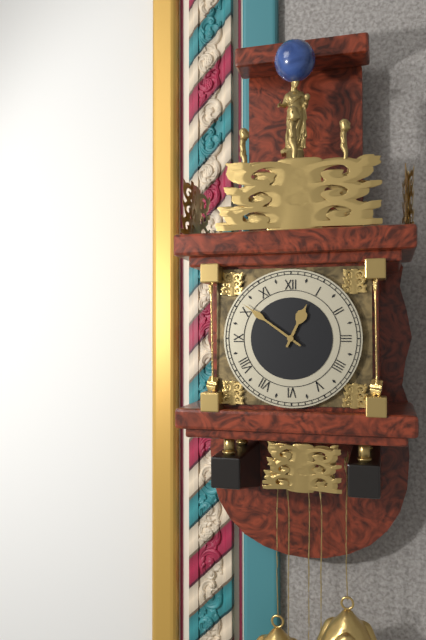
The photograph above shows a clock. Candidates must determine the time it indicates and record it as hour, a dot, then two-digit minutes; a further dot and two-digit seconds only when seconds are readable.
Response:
12.51
